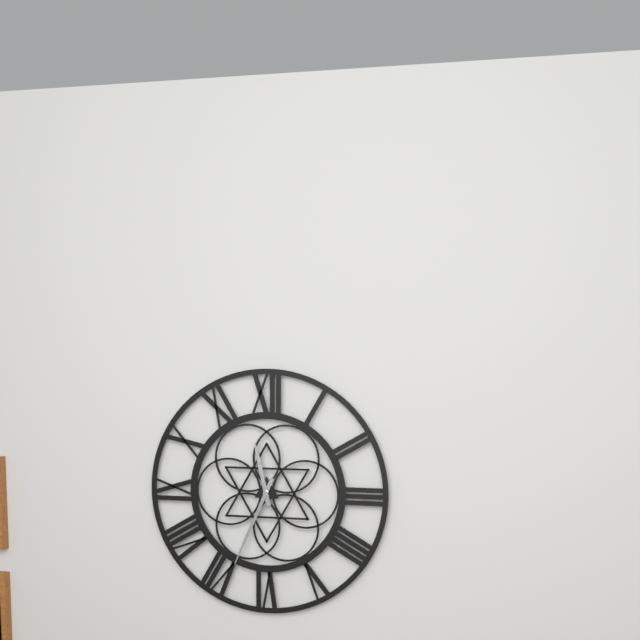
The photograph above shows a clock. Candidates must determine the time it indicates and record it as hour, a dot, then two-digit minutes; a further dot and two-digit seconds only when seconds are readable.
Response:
11.34
